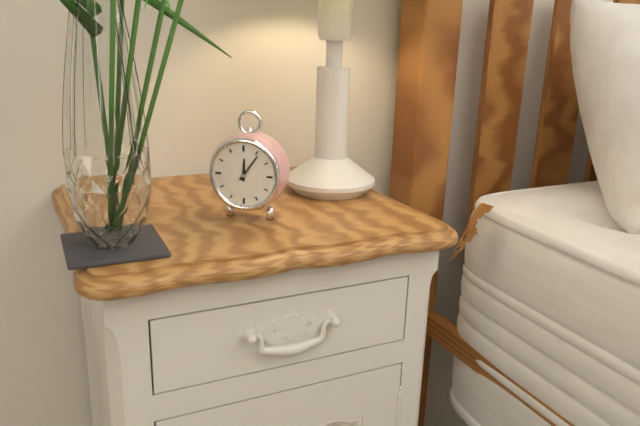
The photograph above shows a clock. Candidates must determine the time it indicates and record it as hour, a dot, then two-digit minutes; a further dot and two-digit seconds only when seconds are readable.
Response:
12.06
